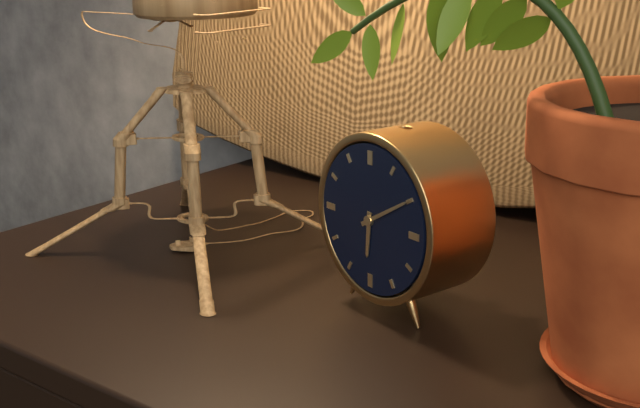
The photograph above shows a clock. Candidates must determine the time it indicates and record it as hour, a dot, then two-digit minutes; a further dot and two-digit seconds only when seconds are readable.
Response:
6.10
